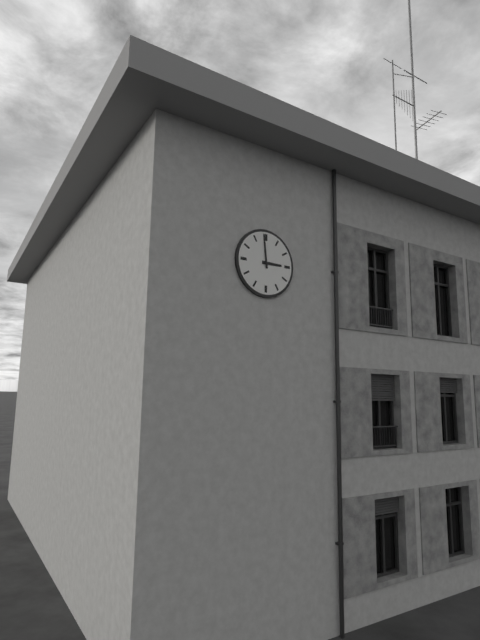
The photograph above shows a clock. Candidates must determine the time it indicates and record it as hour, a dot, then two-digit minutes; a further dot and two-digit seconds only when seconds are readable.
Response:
2.59
